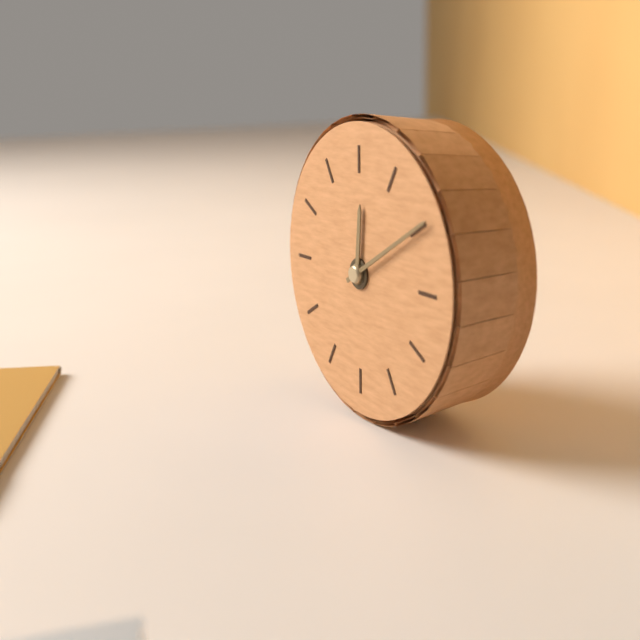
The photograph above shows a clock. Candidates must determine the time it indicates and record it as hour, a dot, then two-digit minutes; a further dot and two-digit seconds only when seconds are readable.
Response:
12.10
